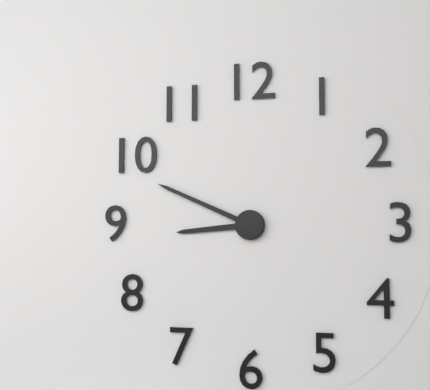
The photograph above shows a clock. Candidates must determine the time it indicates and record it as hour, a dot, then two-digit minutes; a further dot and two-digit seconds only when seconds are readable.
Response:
8.49
